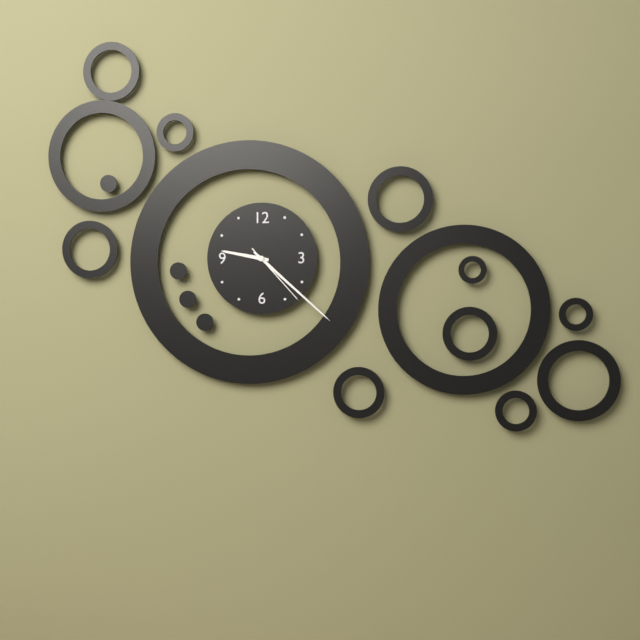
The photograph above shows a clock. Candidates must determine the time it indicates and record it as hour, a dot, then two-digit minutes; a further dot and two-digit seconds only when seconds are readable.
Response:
9.22.23
